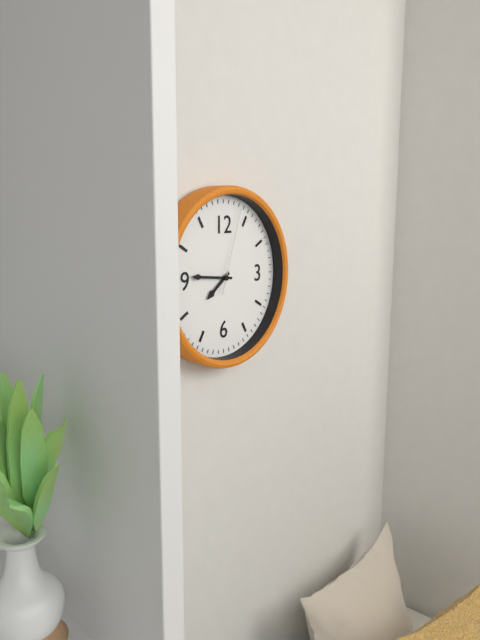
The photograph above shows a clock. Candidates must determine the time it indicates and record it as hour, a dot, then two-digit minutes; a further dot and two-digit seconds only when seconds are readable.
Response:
7.46.03
